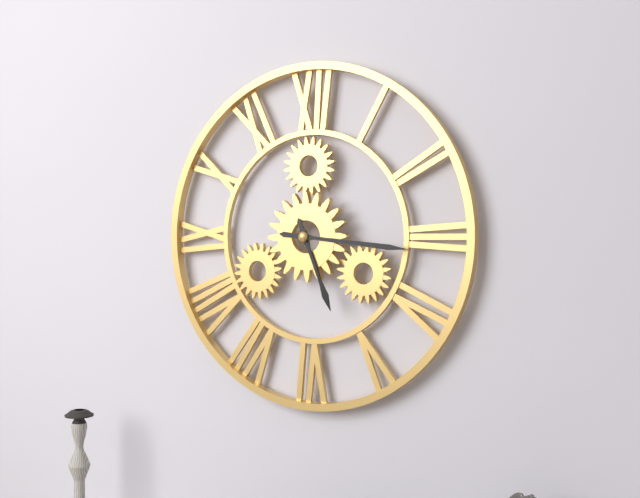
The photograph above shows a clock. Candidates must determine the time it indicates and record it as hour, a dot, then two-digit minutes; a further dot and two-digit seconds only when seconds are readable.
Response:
5.16
